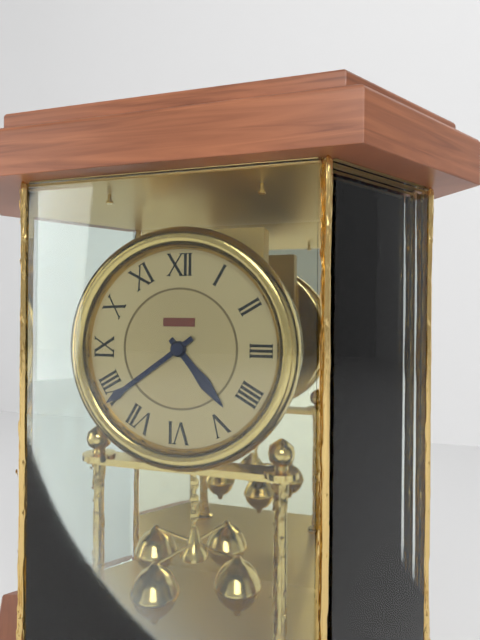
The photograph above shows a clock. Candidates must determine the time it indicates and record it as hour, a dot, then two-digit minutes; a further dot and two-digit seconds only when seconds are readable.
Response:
4.39
